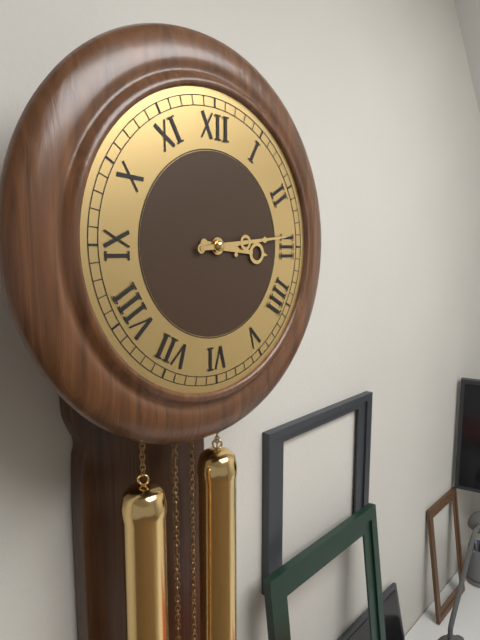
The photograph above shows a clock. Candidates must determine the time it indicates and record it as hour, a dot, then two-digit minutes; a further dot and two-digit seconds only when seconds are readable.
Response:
3.14
